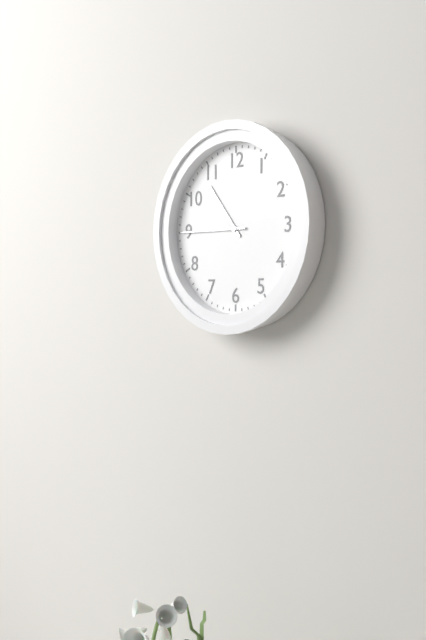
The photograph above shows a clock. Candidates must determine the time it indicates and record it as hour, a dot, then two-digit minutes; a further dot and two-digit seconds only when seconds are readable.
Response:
10.45
